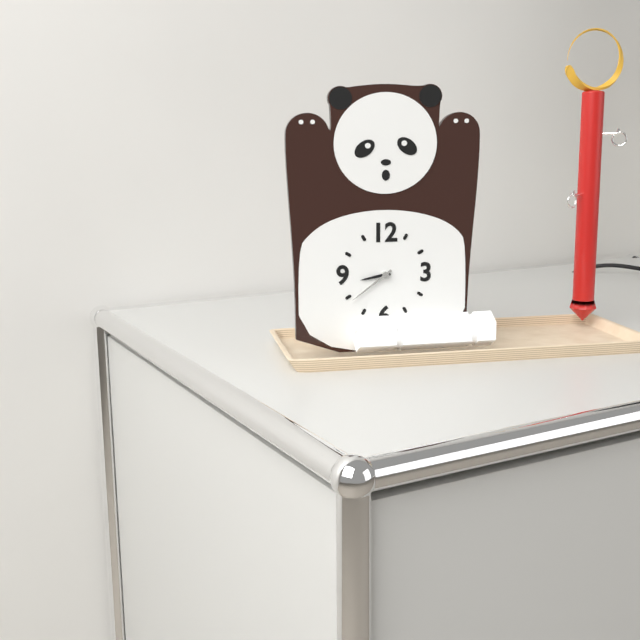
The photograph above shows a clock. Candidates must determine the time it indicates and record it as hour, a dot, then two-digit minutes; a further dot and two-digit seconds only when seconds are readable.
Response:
8.39
